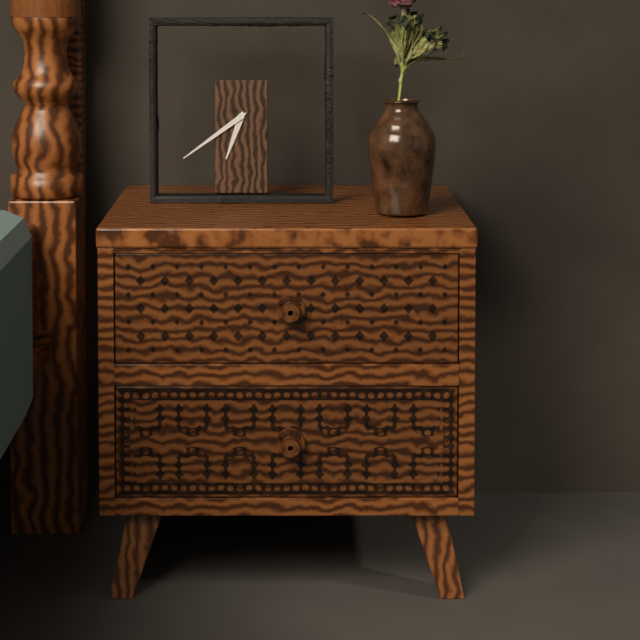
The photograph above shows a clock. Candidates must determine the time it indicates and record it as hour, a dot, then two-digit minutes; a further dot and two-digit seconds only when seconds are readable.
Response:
6.39
